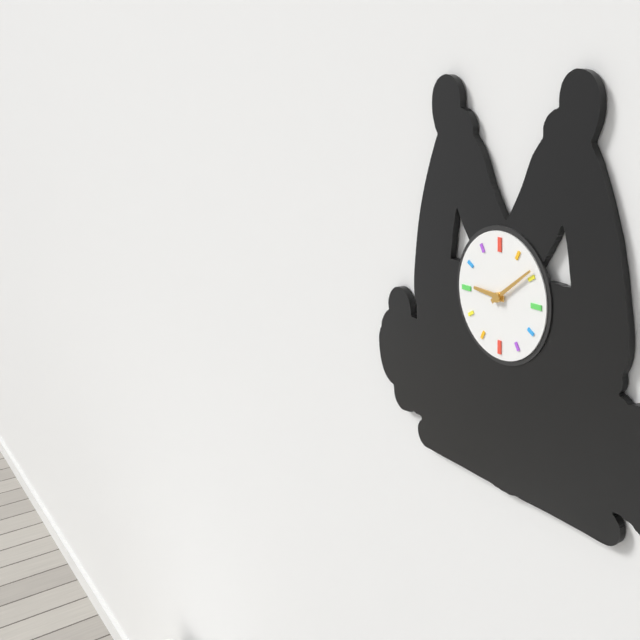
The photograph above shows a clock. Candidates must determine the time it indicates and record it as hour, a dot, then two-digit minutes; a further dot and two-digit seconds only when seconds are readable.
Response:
9.09
